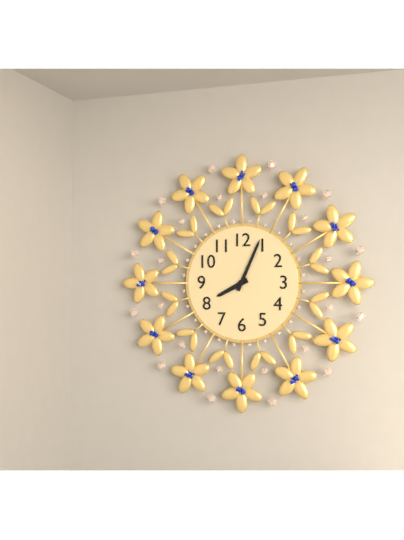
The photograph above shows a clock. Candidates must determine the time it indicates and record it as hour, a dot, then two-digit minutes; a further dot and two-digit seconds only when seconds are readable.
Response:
8.04
